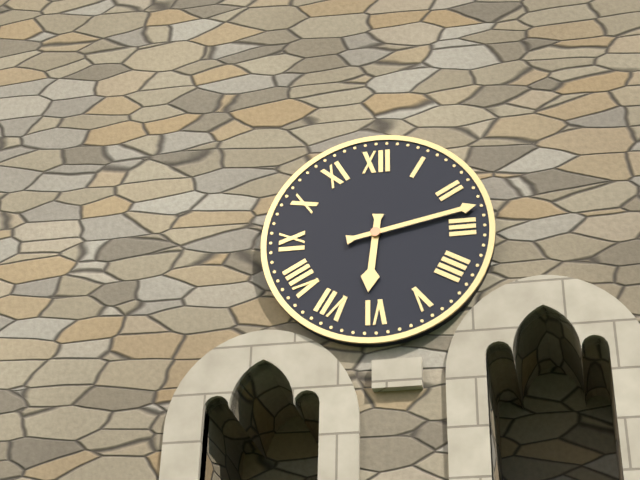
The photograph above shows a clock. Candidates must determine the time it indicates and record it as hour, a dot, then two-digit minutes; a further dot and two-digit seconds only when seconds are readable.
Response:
6.13
